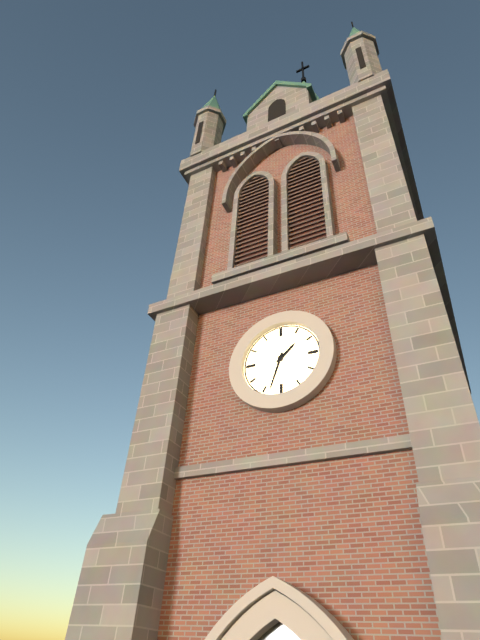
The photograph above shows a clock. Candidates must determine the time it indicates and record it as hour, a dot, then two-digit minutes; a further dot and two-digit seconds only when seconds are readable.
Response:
1.33
